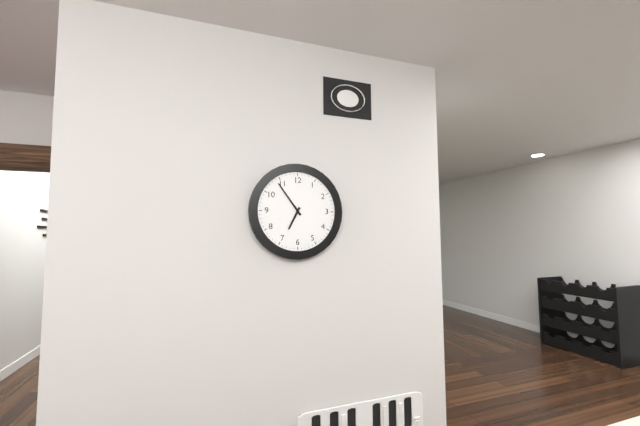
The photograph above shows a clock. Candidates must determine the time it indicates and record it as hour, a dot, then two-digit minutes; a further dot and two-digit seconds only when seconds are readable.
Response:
6.54
